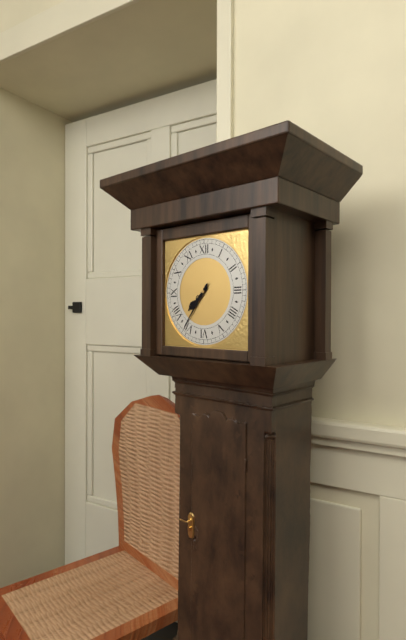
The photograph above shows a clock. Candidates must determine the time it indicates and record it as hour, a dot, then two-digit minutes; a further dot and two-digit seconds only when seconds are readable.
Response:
7.36
